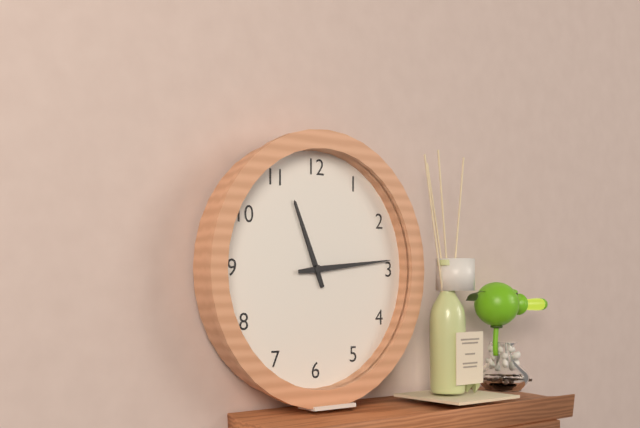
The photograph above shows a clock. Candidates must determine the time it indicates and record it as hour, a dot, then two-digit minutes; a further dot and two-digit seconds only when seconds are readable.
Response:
11.14
